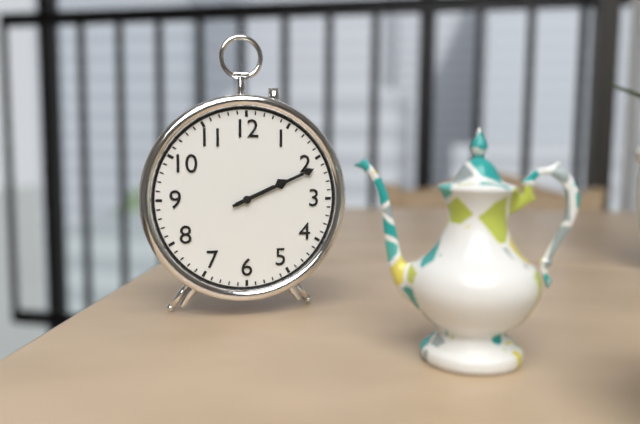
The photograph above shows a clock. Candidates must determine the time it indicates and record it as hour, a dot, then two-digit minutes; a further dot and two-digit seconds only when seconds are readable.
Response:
2.11
